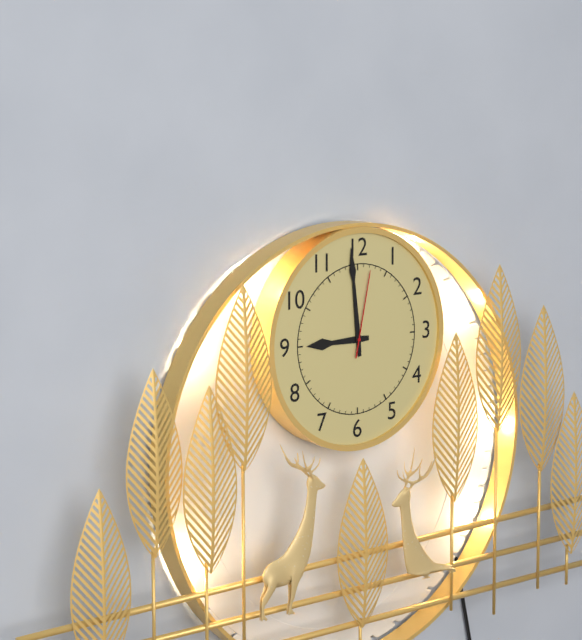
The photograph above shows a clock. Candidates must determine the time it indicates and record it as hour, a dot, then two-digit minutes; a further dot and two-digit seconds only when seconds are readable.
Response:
8.59.02
